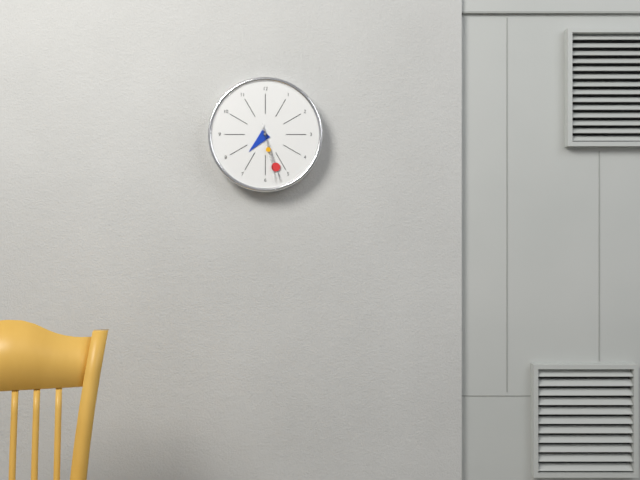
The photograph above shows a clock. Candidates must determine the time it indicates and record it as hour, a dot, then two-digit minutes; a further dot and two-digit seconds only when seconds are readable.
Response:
7.27.28
